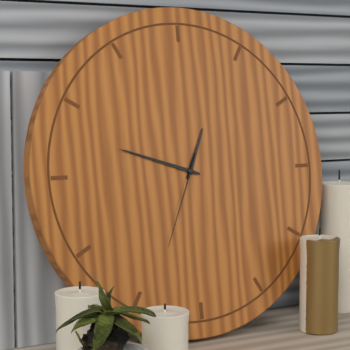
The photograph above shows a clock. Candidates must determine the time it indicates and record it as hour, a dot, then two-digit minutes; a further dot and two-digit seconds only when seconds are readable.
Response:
12.48.34
